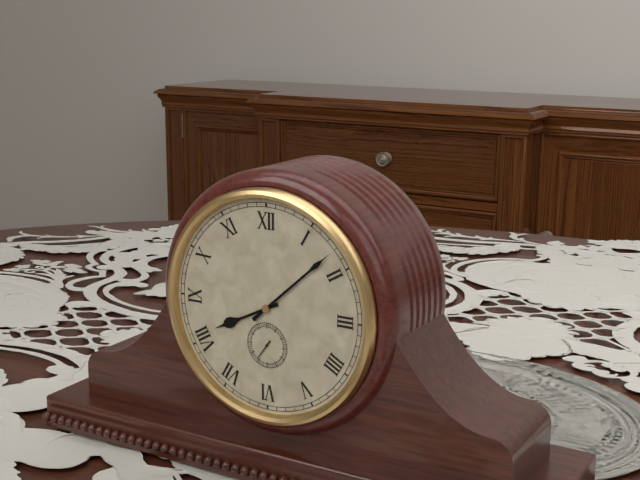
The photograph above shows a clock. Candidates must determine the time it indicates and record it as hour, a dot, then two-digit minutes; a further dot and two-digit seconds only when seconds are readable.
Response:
8.08.36
